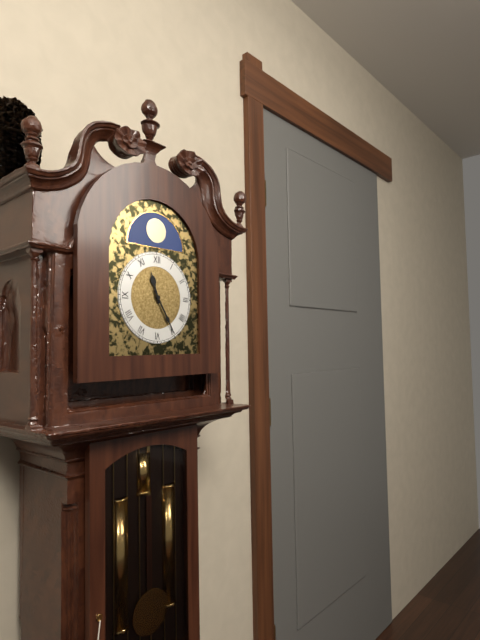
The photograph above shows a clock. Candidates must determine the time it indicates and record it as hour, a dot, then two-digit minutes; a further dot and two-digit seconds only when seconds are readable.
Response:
11.25
